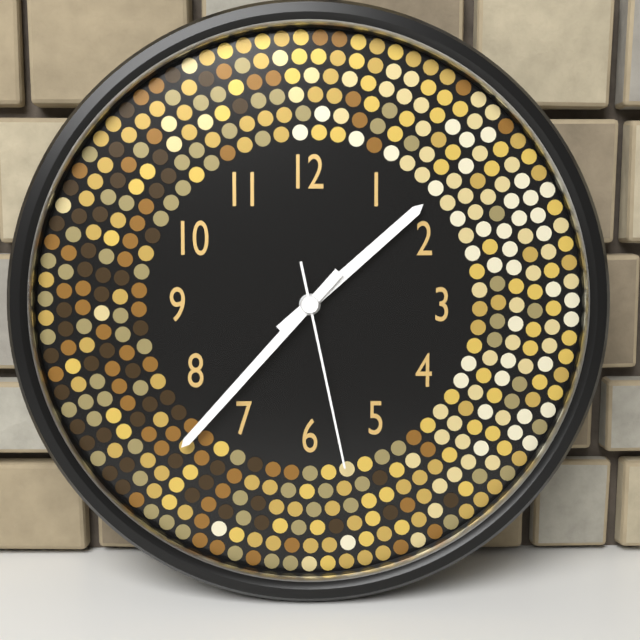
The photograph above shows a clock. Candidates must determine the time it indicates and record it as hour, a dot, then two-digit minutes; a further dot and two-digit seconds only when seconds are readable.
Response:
1.37.28
